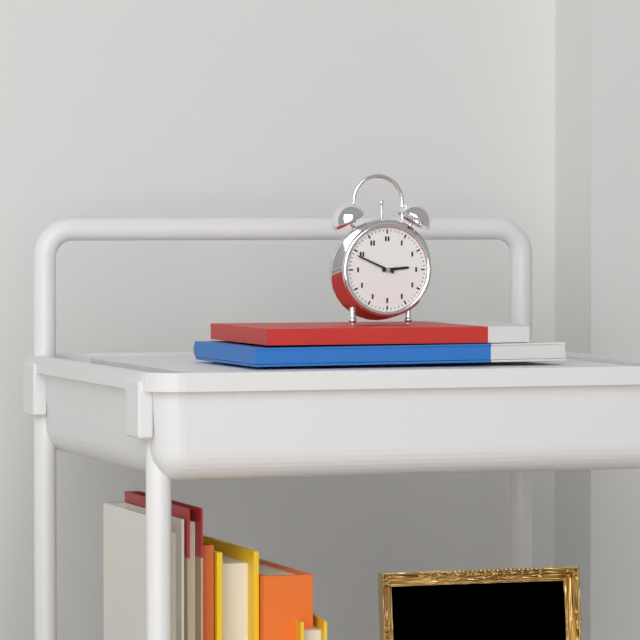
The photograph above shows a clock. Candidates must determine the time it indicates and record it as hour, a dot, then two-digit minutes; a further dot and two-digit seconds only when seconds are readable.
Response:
2.49
